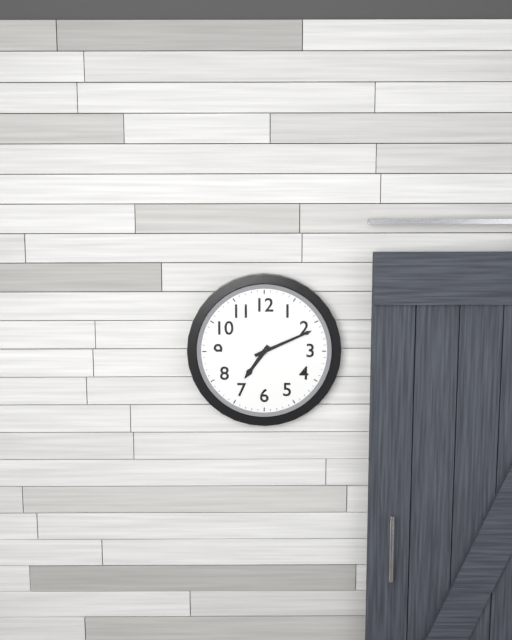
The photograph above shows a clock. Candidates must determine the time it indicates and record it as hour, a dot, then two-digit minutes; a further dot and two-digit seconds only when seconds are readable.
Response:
7.11
